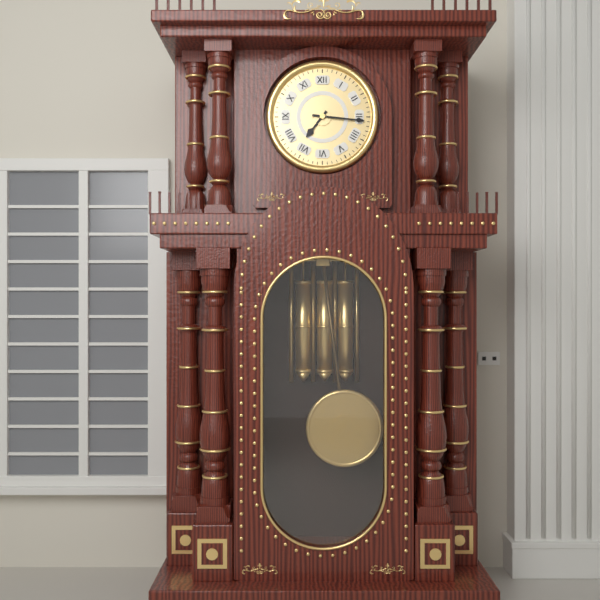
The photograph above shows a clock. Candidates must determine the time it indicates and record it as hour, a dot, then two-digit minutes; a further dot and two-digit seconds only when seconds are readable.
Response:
7.16
